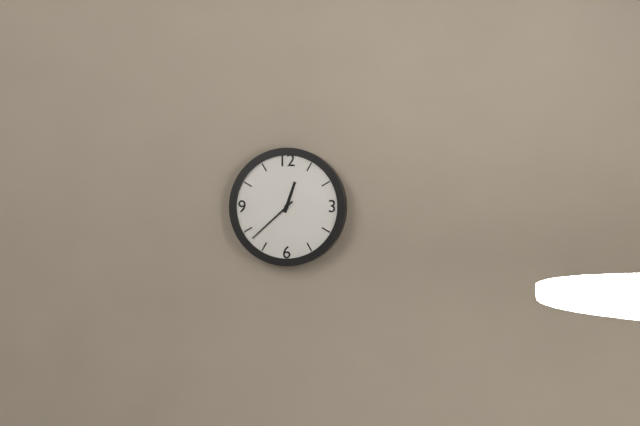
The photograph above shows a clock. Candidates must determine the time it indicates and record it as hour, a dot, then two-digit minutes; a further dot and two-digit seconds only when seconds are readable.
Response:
12.38
